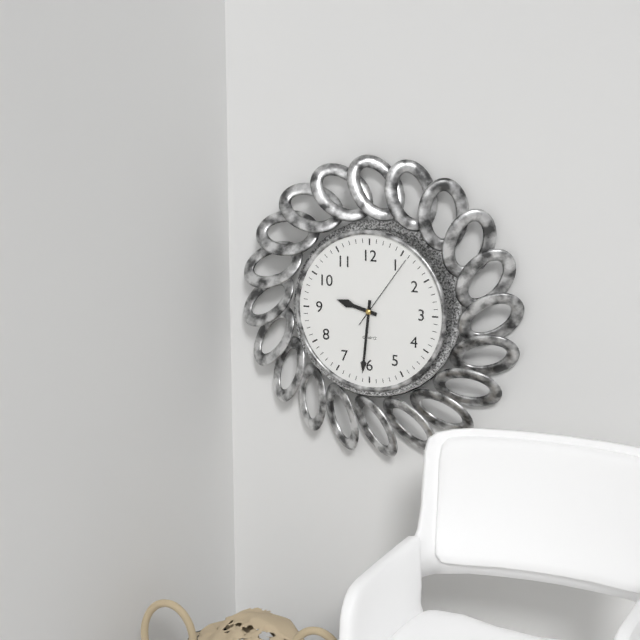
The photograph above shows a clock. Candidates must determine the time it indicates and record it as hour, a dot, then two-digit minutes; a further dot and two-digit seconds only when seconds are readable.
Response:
9.31.06
